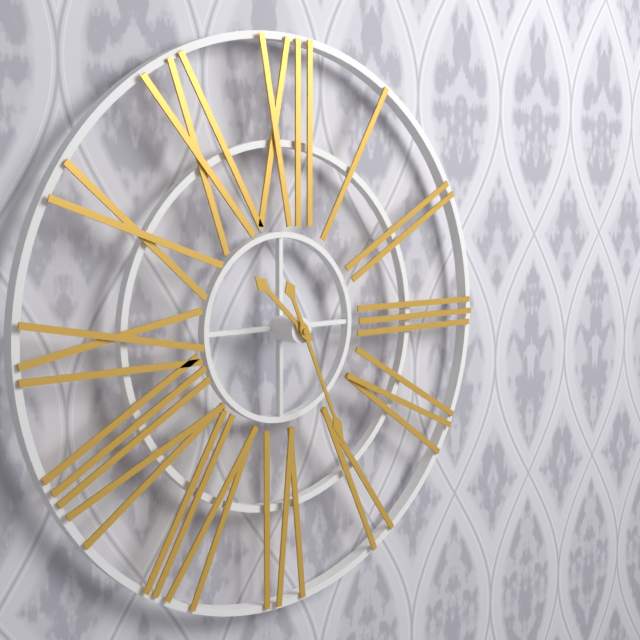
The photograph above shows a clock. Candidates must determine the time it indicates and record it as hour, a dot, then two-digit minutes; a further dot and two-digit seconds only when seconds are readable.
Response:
10.26
